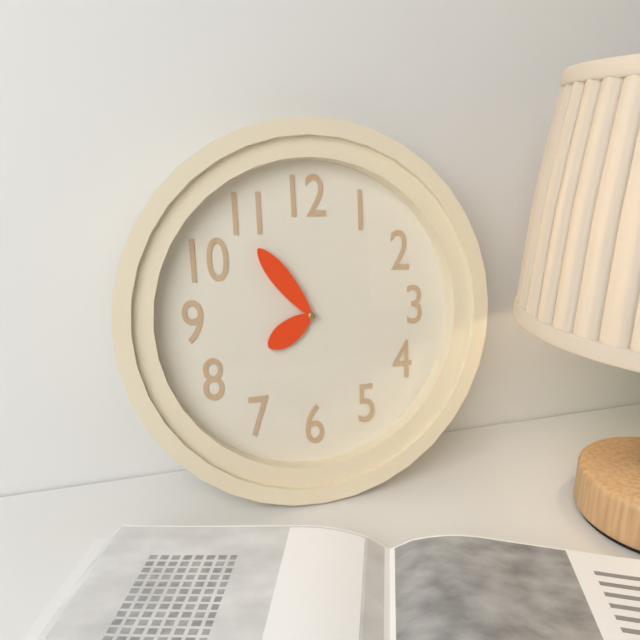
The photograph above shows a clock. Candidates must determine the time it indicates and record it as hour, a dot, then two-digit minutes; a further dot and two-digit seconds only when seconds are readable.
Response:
7.54
